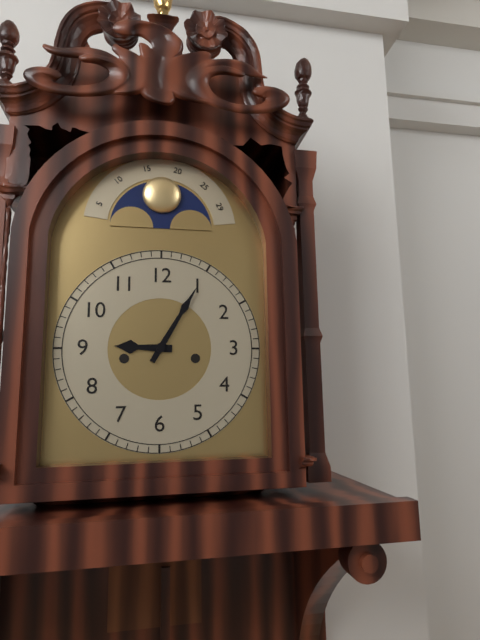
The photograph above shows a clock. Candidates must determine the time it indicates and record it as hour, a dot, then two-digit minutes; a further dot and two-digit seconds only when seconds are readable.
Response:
9.05
